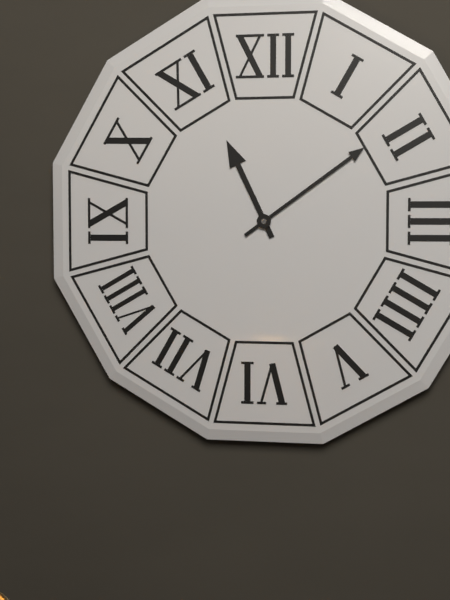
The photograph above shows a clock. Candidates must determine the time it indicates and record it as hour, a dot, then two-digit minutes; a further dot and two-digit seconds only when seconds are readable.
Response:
11.09
